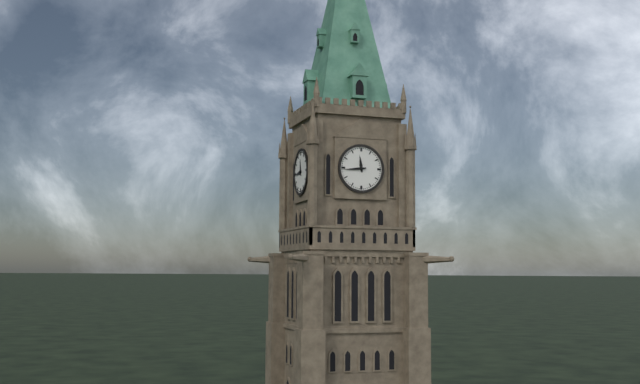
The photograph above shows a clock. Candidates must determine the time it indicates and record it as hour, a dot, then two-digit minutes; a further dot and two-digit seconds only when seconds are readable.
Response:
11.44
